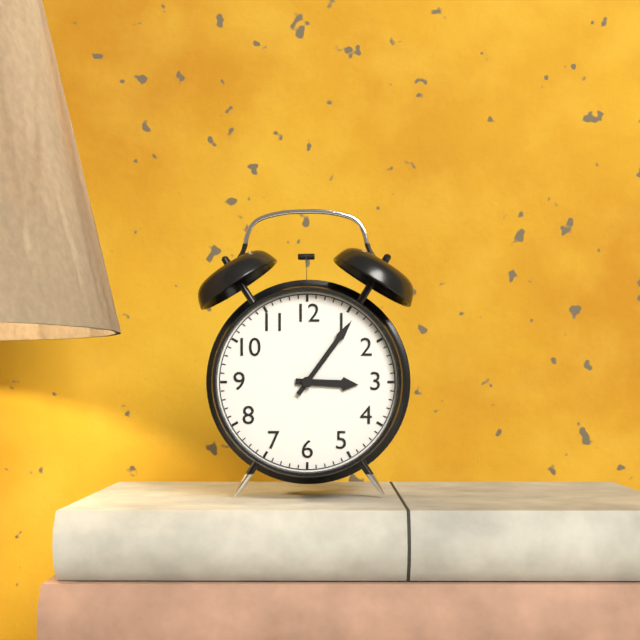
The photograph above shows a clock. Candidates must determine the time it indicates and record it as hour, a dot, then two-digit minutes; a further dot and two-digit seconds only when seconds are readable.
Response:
3.06
